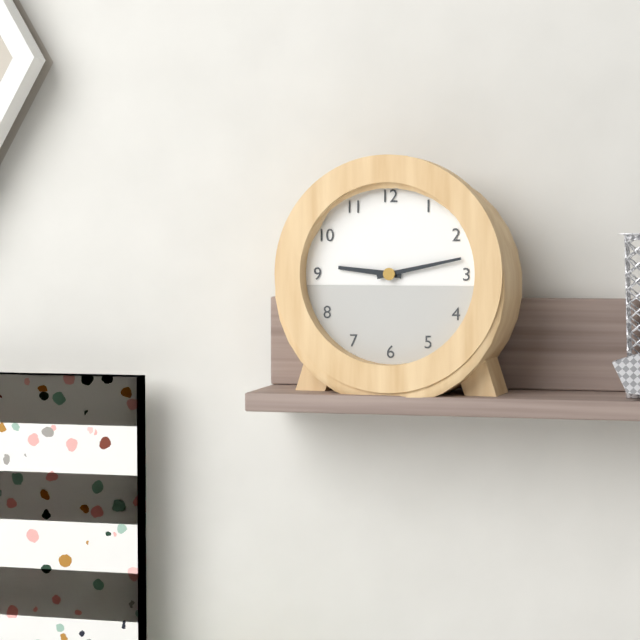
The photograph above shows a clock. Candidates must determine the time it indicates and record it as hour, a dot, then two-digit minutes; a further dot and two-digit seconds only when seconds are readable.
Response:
9.13
